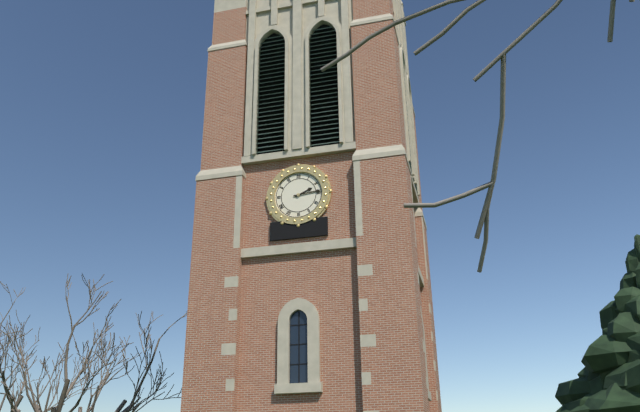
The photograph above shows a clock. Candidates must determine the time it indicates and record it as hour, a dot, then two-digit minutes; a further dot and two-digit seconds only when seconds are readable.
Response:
2.14
